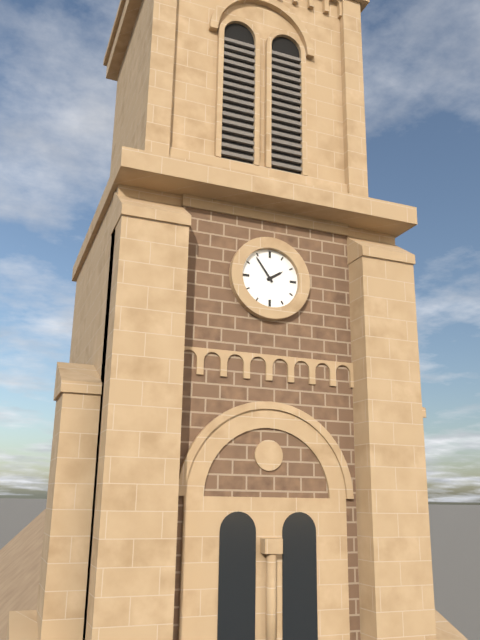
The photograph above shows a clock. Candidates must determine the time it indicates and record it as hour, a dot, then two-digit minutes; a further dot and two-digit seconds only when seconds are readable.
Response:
1.54
